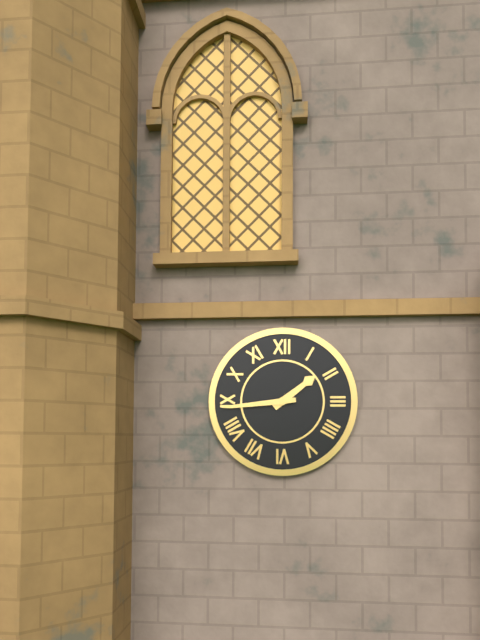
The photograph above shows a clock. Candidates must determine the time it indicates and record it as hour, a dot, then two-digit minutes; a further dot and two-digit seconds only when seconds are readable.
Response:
1.44
